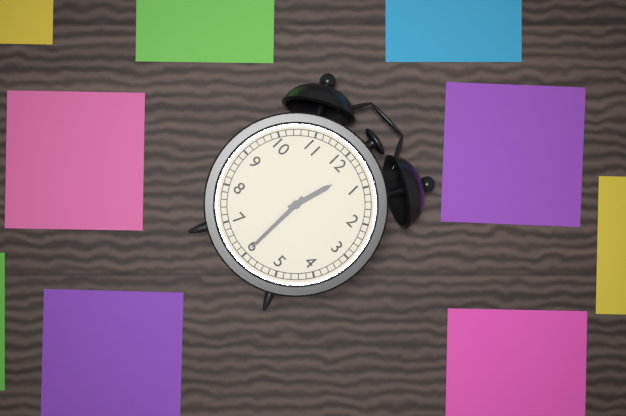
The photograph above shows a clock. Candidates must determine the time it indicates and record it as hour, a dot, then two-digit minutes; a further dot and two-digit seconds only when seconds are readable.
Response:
12.30
